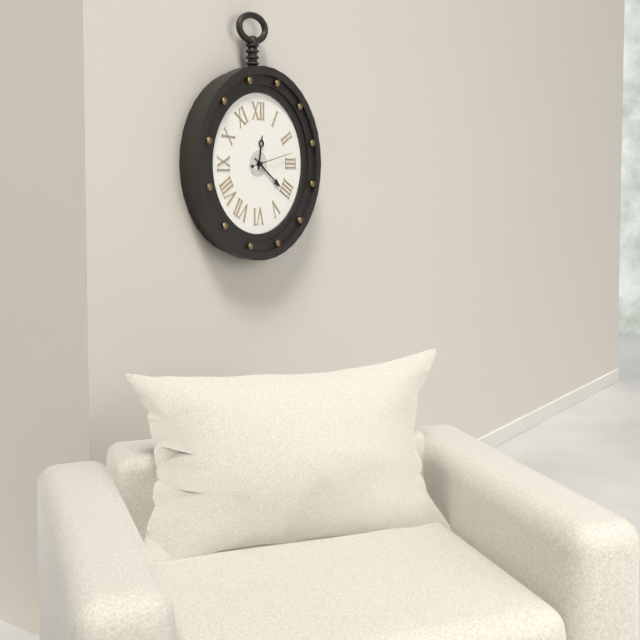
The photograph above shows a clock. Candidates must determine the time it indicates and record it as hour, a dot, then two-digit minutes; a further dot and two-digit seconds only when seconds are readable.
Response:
12.21
